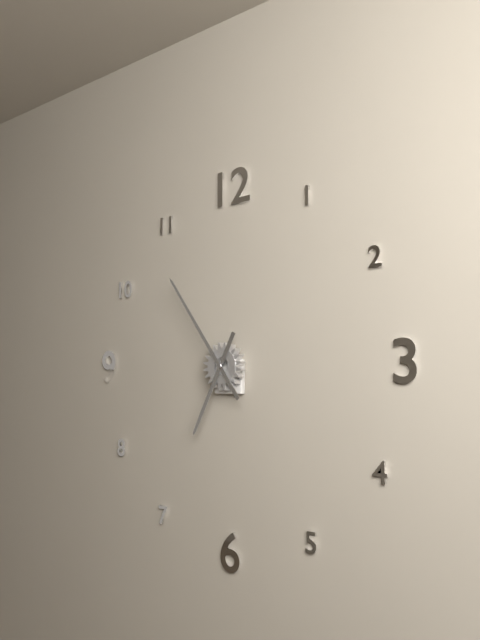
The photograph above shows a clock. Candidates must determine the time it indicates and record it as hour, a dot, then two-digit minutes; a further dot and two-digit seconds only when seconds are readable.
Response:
6.54
